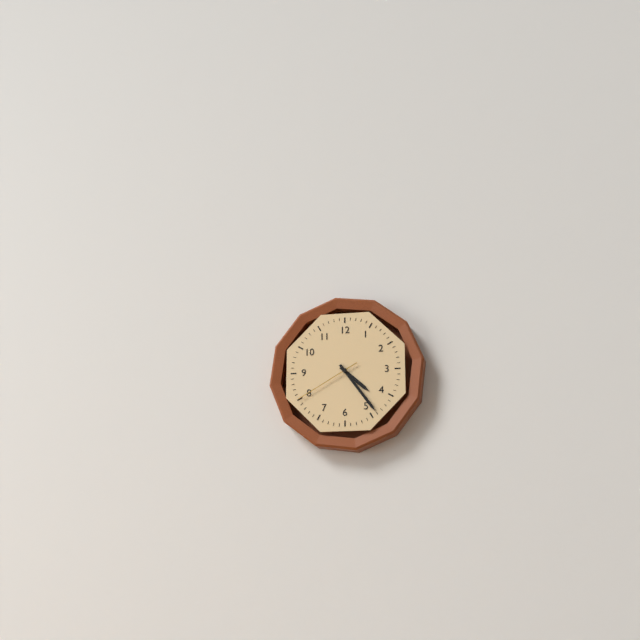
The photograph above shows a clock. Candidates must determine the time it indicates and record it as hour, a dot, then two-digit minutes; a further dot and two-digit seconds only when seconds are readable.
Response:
4.24.40
